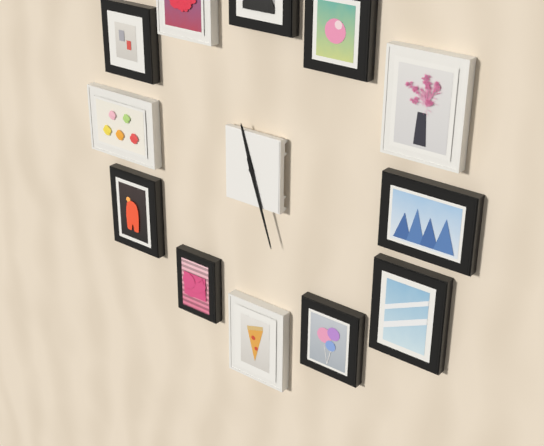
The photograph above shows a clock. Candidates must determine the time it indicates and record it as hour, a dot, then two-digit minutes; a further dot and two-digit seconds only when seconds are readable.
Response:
11.27
